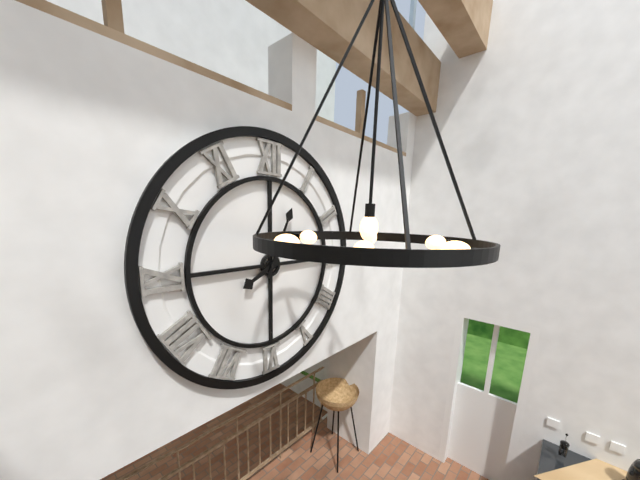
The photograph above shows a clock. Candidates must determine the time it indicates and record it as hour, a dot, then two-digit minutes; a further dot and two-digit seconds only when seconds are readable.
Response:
8.04
